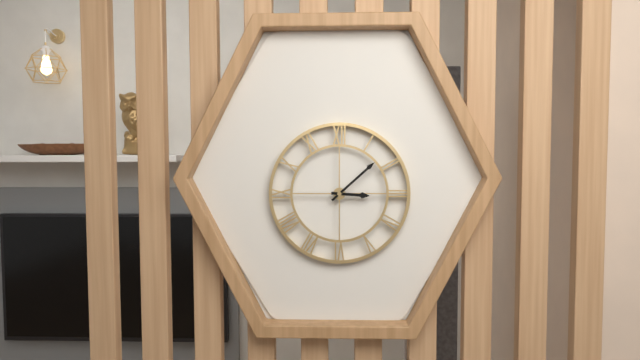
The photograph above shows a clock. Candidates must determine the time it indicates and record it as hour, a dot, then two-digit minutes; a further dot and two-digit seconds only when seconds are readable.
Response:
3.08
